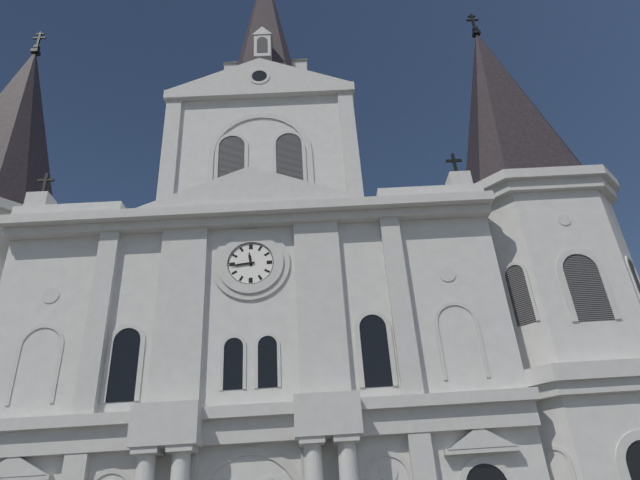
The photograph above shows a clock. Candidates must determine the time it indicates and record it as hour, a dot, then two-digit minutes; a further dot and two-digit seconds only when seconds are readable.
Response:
11.44
